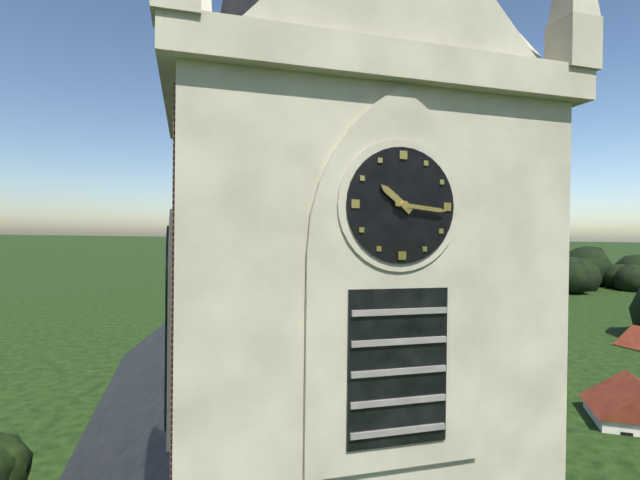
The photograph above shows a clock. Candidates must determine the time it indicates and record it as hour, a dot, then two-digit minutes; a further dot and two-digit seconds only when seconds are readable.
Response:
10.16
